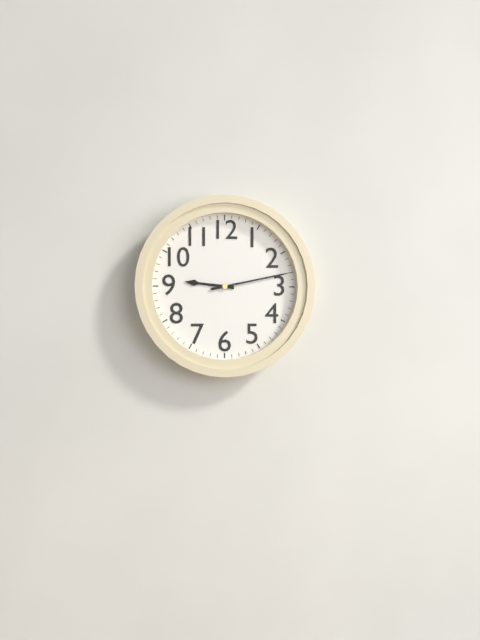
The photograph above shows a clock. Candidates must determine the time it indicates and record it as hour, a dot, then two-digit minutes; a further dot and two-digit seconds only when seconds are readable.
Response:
9.13
